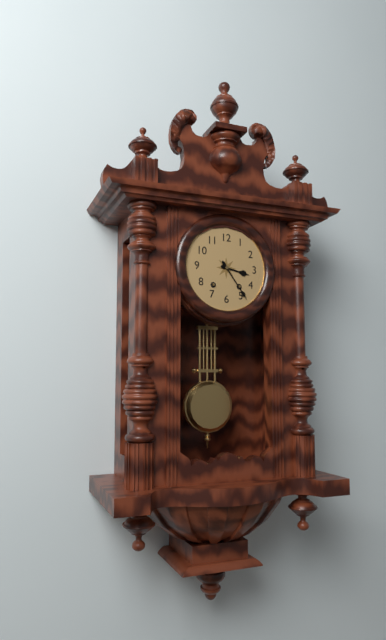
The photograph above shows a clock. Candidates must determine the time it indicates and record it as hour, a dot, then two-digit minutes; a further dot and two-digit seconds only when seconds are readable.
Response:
3.24
